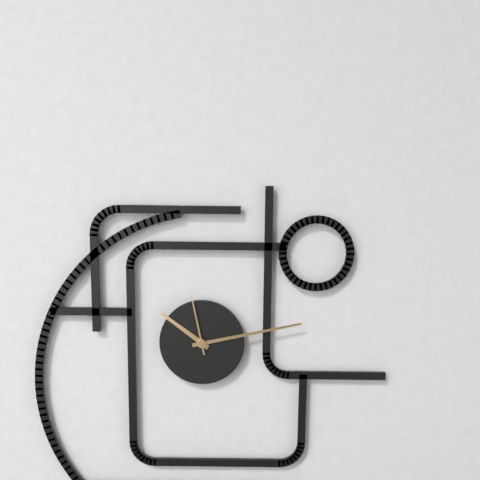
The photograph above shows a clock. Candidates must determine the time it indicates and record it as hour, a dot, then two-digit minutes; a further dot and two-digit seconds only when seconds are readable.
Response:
10.13.58
